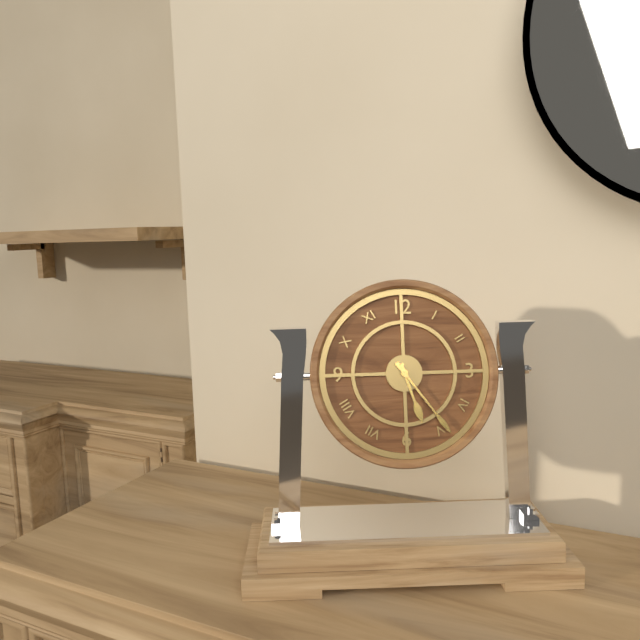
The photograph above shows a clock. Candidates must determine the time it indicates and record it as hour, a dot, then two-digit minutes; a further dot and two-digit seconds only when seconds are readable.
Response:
5.24
